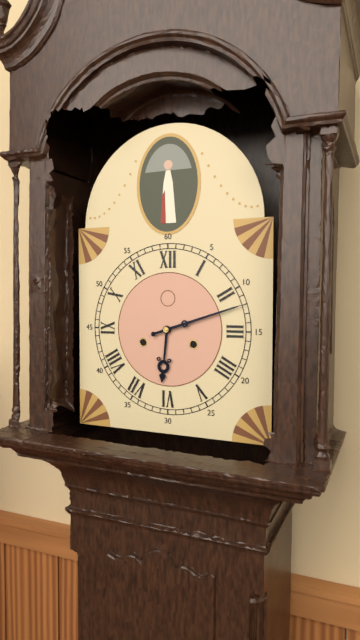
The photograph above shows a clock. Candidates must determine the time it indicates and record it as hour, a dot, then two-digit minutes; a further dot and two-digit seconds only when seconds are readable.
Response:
6.12
